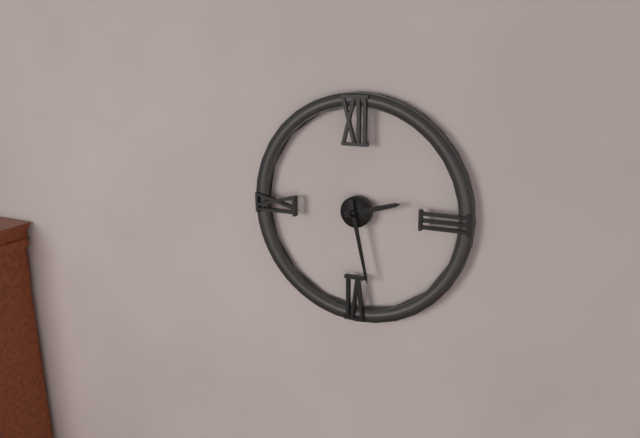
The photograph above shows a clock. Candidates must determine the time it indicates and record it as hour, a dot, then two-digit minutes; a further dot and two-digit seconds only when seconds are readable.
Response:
2.28
